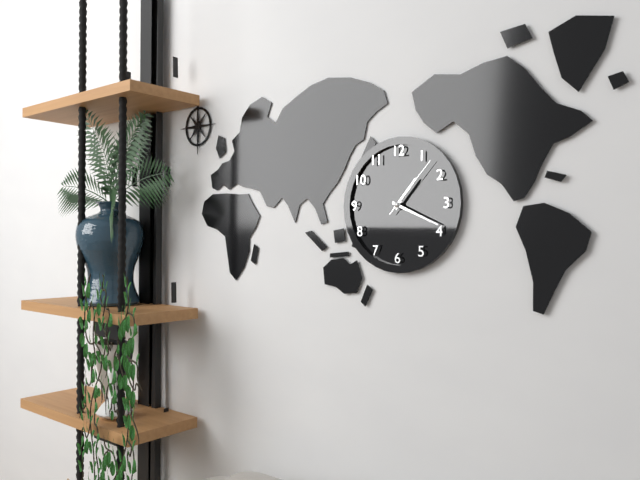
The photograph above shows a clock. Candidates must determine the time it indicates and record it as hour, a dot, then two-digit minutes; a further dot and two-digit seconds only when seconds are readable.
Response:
1.19.07
